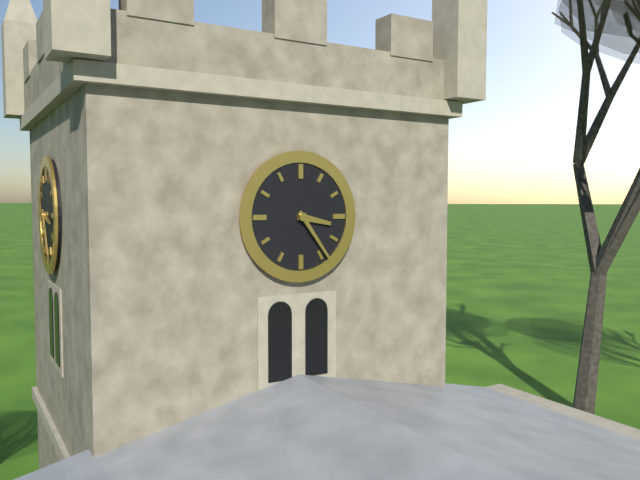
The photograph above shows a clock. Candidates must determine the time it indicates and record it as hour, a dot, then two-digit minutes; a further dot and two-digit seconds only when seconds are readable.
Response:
3.24
